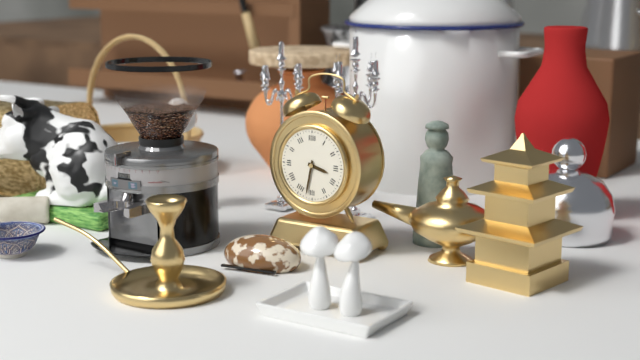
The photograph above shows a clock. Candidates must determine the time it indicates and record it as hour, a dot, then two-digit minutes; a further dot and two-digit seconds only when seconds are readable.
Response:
3.32
